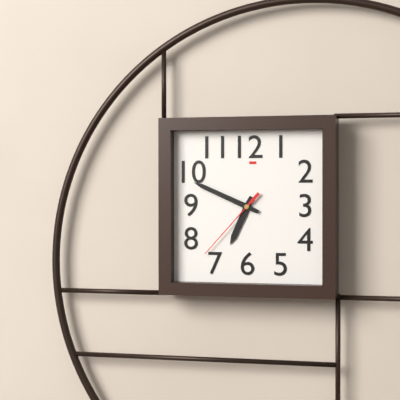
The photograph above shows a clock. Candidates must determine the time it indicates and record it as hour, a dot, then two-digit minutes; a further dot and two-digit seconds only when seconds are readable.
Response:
6.49.37
